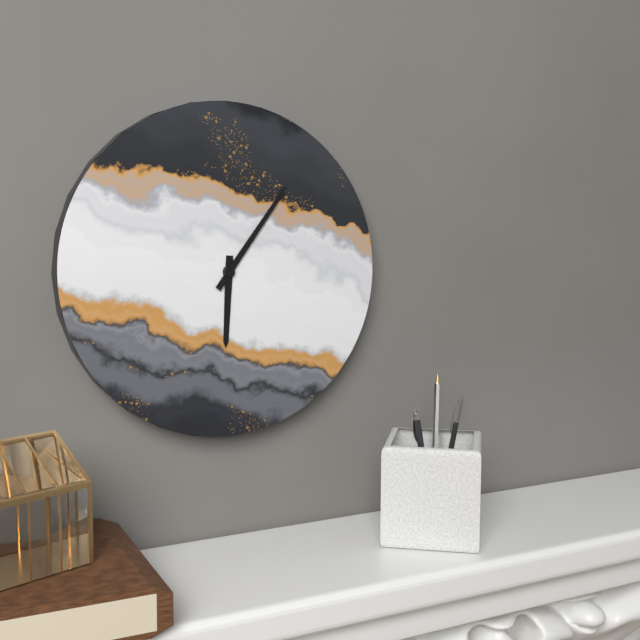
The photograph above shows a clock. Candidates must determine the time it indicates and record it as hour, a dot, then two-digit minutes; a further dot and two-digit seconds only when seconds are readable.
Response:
6.06
